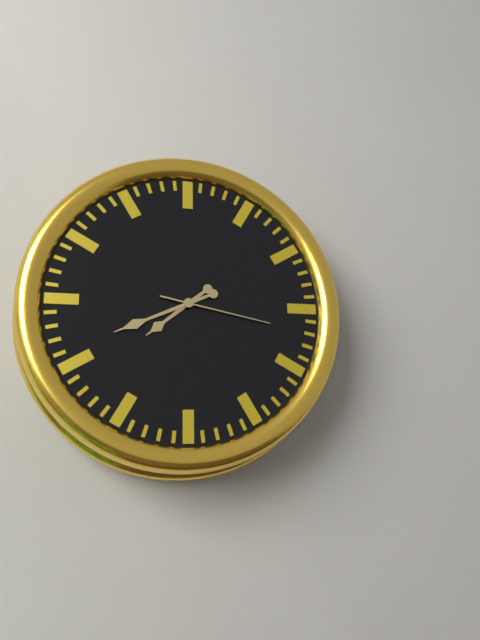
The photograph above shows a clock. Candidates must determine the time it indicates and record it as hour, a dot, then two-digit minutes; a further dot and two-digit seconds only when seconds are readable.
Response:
7.41.17
